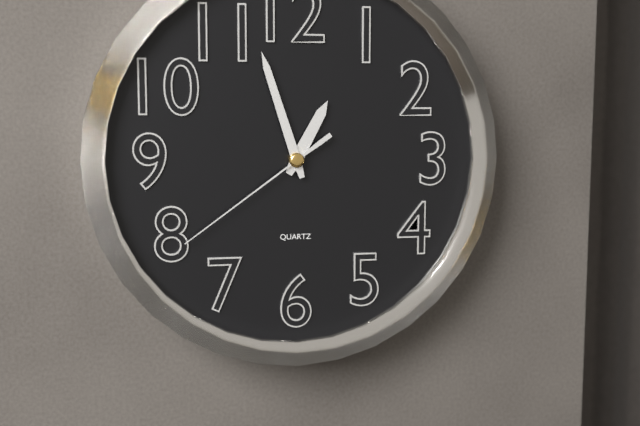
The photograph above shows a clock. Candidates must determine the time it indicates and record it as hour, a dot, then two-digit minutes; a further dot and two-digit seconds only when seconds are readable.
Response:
12.57.39
